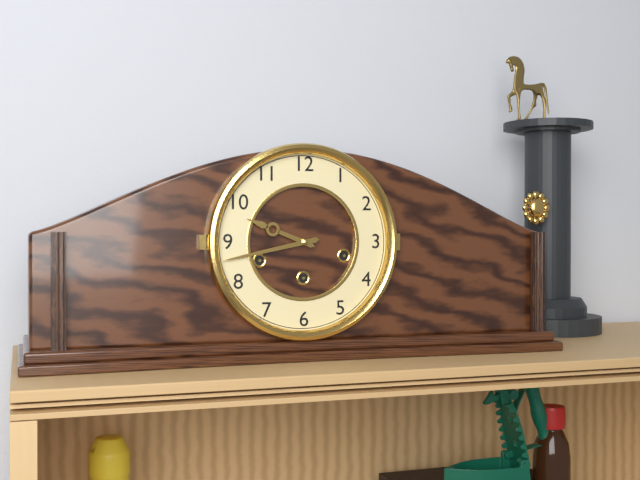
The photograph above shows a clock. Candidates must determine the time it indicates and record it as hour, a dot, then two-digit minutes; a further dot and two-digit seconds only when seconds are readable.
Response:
9.43
